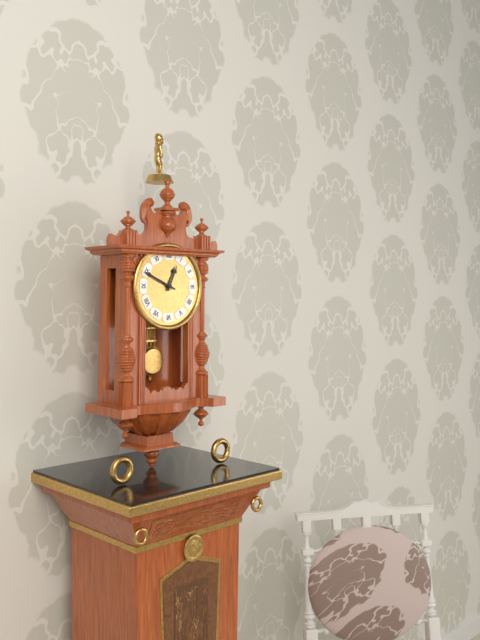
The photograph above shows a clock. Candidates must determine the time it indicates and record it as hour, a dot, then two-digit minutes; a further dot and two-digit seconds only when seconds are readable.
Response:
12.49
